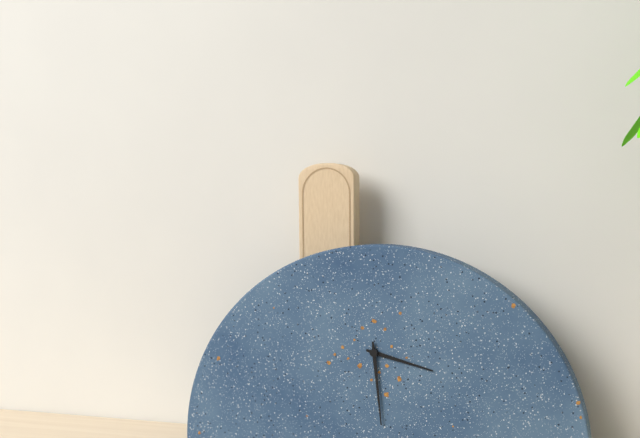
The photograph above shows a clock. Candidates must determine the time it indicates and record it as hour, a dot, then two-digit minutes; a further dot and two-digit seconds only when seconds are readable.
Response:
3.29
